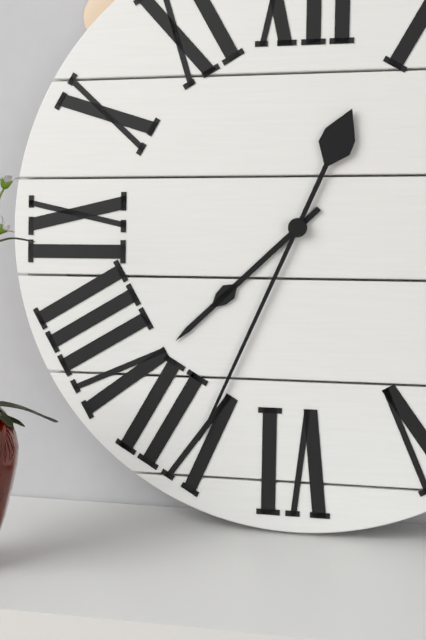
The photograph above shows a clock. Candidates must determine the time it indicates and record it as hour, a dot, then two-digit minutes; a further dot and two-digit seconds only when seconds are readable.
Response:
7.34
